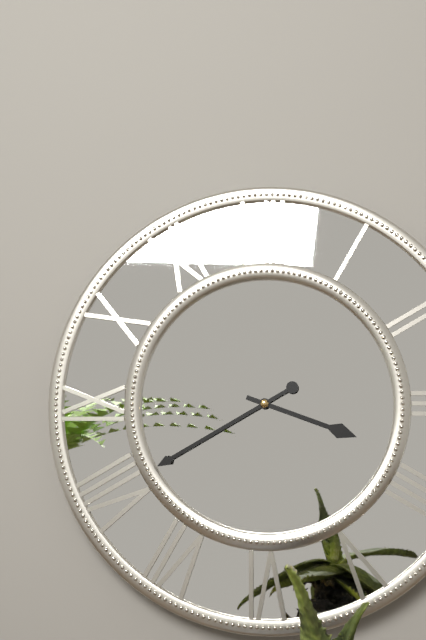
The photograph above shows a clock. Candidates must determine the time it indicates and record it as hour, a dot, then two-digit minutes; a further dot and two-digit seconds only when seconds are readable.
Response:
3.40
